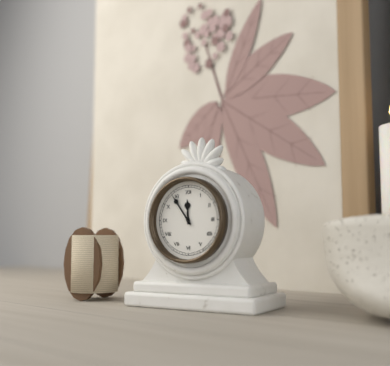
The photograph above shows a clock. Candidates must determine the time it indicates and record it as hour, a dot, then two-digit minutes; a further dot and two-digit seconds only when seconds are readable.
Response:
11.54
